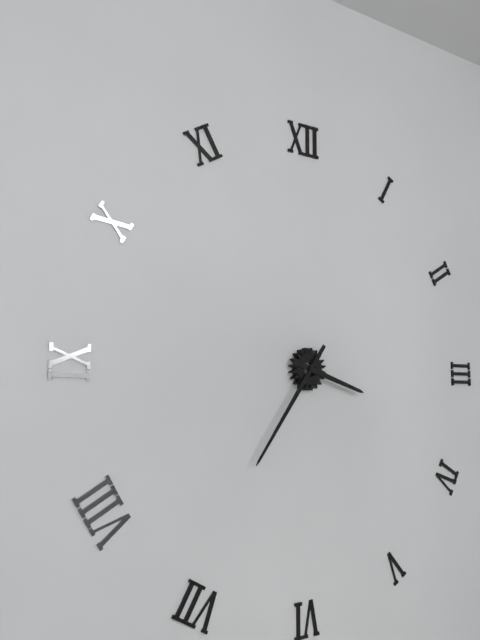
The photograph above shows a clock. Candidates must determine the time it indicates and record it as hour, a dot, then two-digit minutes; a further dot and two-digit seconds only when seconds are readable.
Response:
3.36
